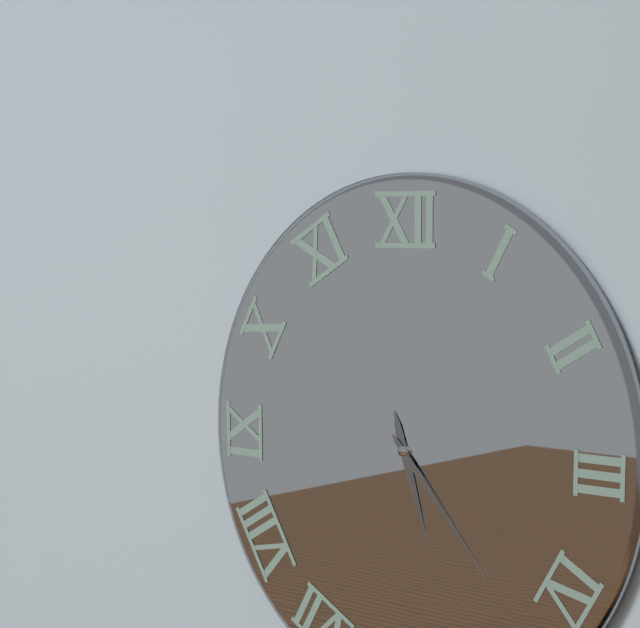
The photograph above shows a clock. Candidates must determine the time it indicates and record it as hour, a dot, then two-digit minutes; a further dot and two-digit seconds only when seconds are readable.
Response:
5.23
